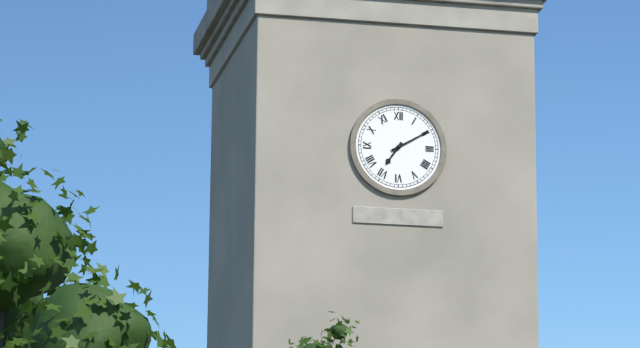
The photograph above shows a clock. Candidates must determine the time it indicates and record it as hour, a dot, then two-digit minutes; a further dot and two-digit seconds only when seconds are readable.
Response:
7.10
